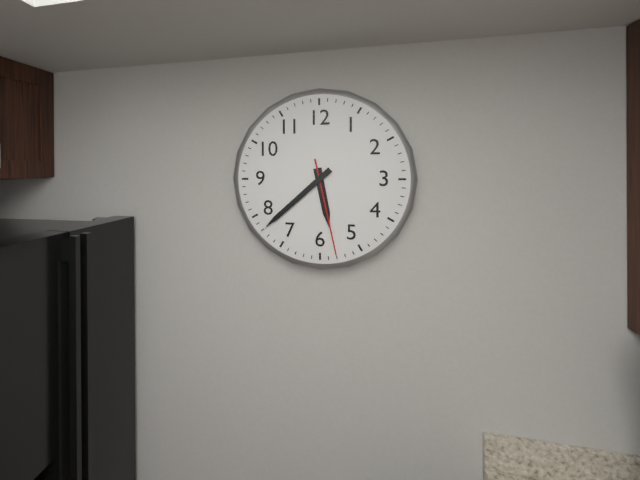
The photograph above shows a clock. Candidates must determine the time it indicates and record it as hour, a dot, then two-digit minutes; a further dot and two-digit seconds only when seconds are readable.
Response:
5.38.28
